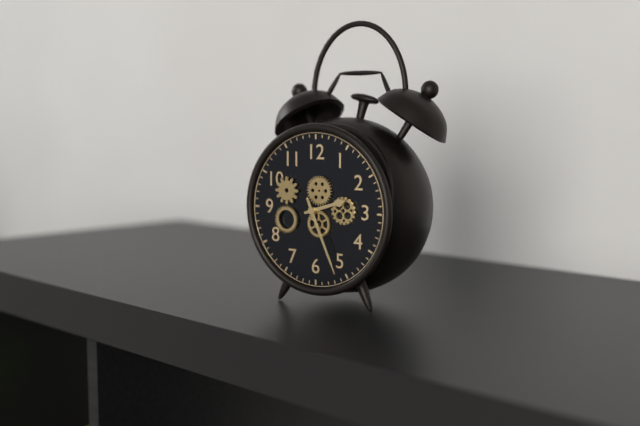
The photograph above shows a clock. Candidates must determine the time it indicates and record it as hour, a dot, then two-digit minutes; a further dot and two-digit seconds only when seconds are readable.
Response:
2.26
